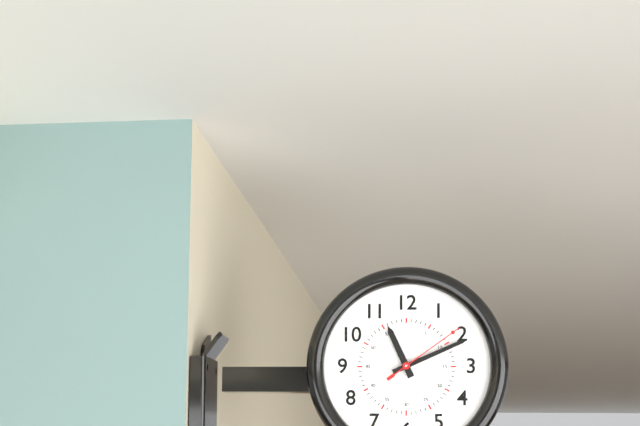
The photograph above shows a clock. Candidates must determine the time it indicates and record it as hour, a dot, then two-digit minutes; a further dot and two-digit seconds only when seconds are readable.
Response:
11.11.09
